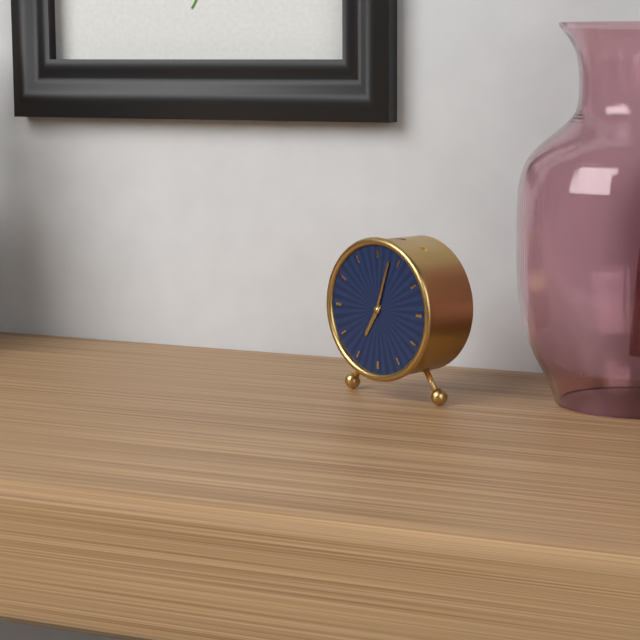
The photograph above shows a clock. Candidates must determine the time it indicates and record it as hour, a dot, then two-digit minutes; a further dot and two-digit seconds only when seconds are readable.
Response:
7.03
